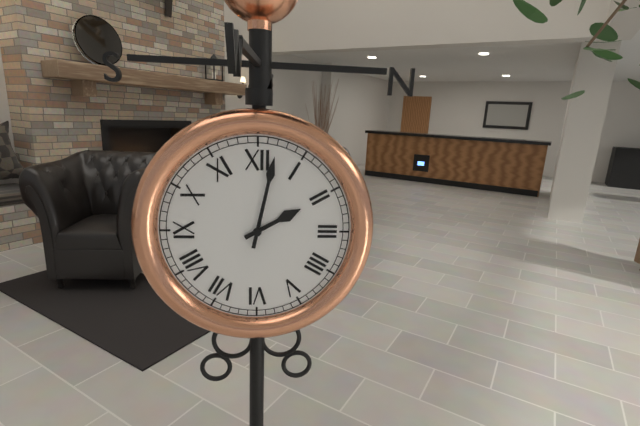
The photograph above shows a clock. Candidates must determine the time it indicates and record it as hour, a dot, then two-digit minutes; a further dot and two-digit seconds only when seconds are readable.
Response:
2.02
